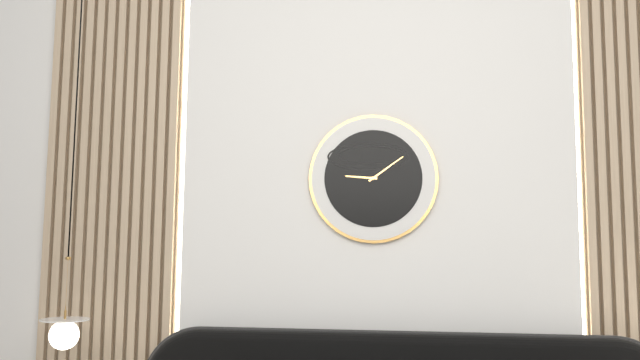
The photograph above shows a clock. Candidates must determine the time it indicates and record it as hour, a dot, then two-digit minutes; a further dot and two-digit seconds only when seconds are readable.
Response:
9.09
